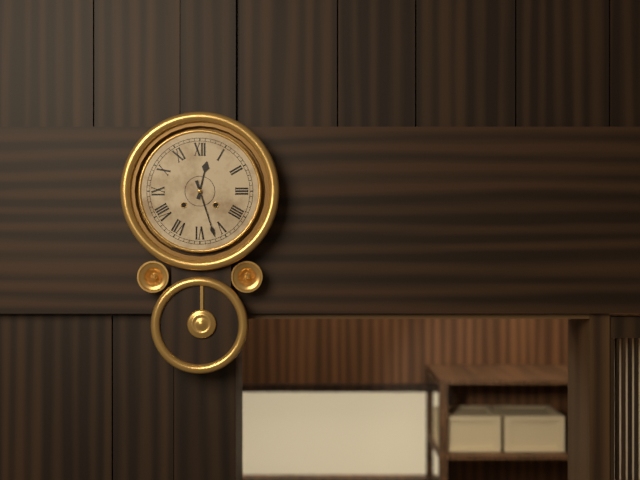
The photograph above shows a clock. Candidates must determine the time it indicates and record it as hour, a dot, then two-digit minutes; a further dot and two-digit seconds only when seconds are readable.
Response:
12.27
